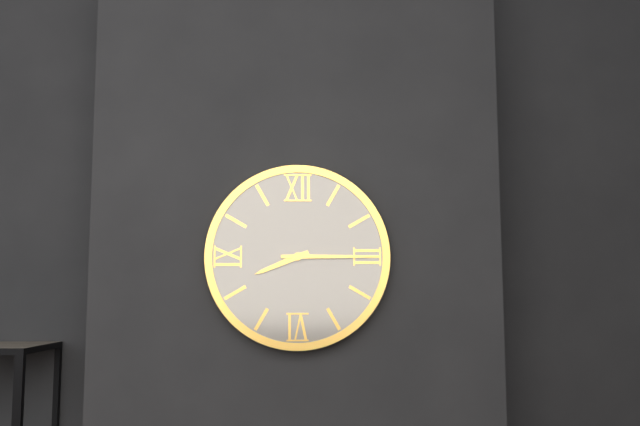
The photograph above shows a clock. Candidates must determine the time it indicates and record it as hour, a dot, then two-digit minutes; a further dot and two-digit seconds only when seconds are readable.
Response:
8.15
